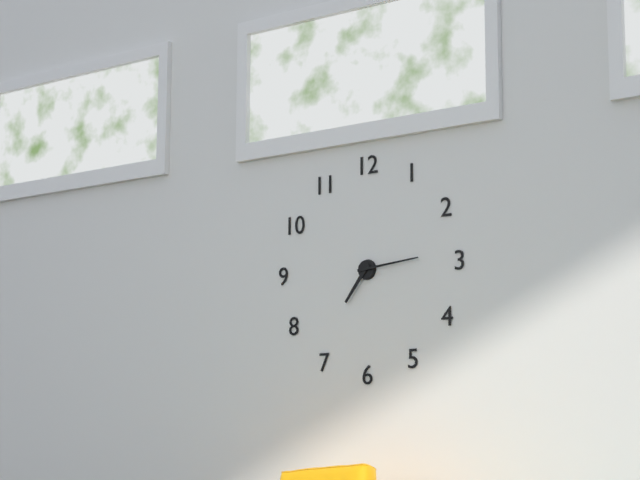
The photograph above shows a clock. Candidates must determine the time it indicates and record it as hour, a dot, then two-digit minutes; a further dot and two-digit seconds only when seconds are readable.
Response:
7.14
